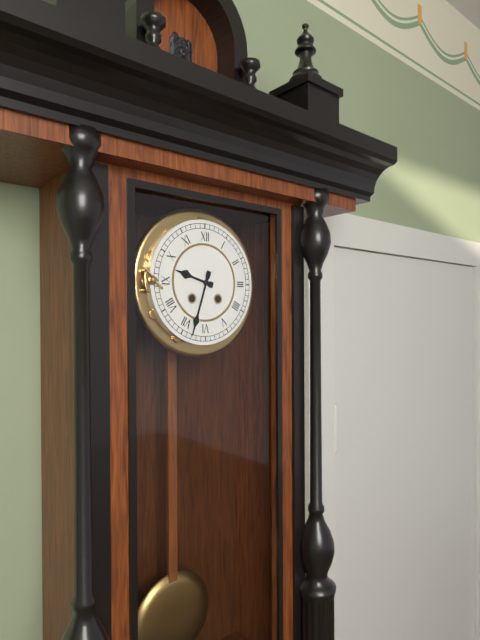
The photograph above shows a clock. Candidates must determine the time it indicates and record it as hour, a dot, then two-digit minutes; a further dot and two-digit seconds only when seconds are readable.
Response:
9.33
